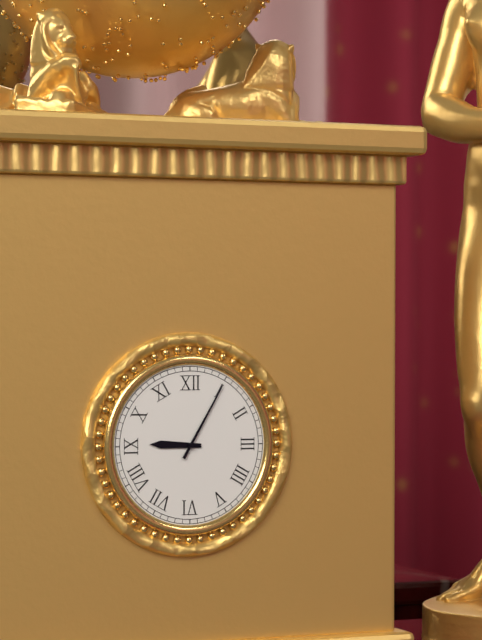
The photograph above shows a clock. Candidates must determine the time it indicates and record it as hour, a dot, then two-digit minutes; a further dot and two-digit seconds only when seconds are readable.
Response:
9.05
